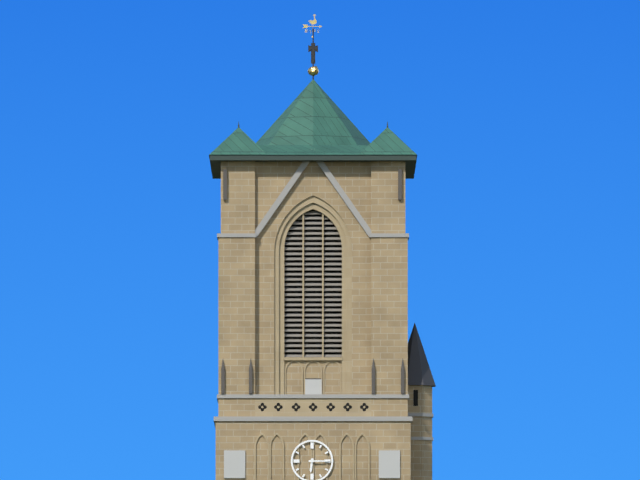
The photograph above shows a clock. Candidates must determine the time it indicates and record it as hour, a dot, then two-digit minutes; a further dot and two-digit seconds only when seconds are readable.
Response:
6.15
